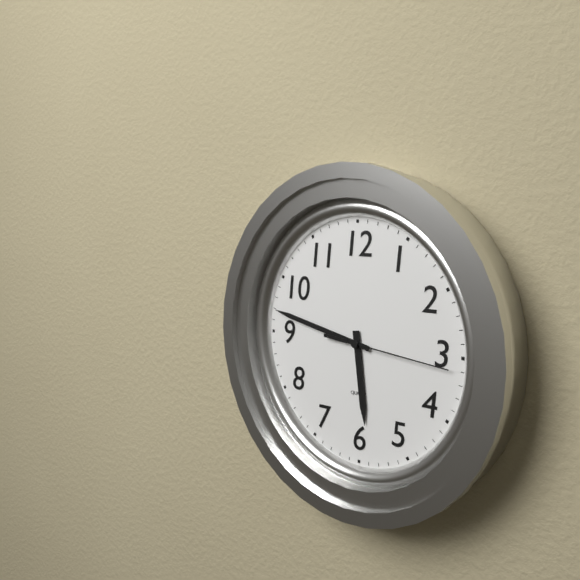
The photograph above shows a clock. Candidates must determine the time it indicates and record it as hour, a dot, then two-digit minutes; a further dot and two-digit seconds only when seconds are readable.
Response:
5.47.16
